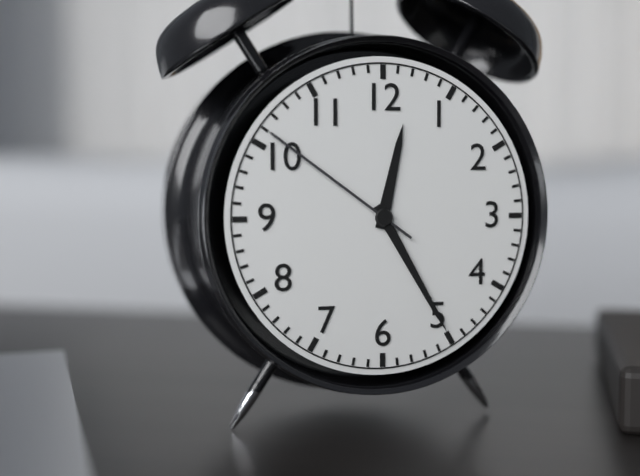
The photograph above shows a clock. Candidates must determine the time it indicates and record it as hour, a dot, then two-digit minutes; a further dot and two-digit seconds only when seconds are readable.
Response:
12.25.51
